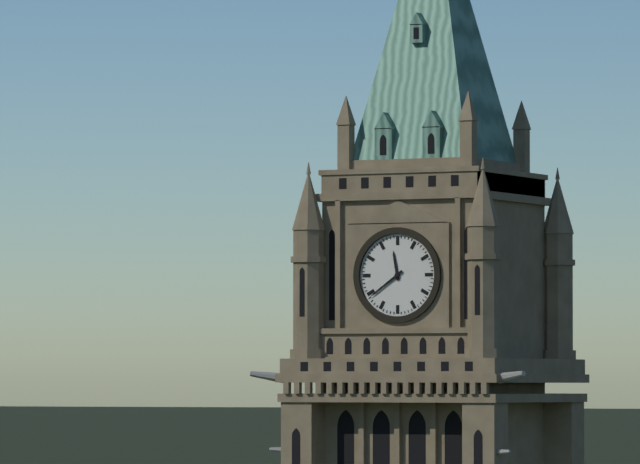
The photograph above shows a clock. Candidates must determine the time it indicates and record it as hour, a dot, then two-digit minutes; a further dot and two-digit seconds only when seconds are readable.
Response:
11.39
